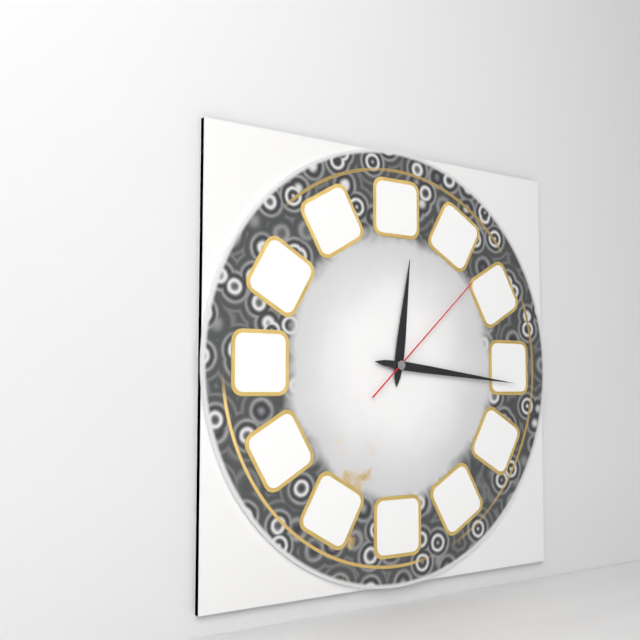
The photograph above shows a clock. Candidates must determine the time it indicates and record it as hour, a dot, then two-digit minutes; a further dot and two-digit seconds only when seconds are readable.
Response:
12.16.08
